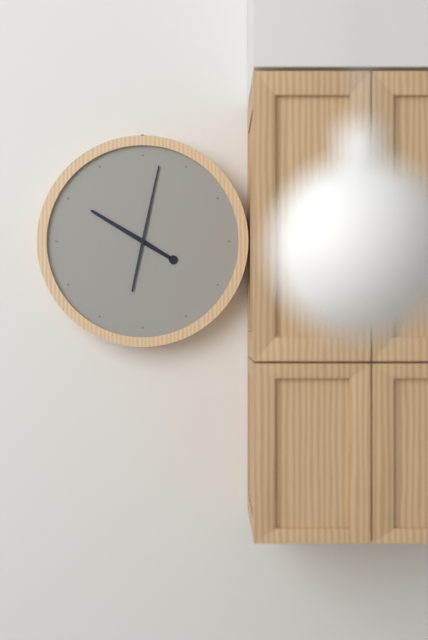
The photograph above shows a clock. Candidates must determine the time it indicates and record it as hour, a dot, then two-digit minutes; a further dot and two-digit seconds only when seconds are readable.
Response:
10.02
